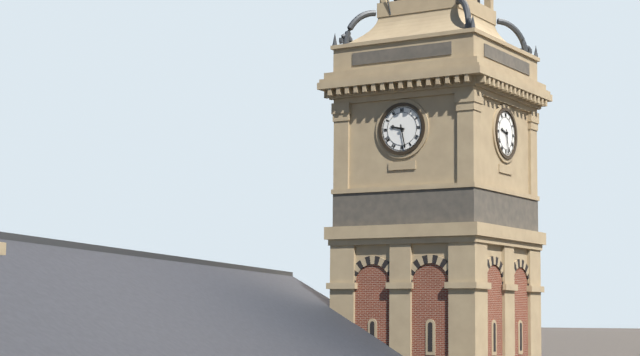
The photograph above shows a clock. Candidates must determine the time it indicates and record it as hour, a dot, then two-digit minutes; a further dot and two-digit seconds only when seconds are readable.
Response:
9.28
